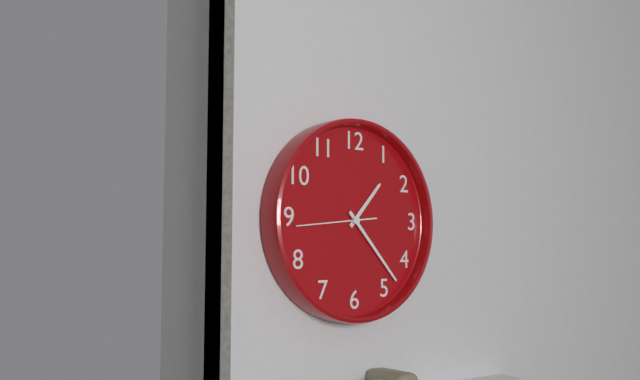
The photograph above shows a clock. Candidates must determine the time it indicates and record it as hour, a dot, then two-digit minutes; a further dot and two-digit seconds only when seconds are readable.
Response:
1.23.44
